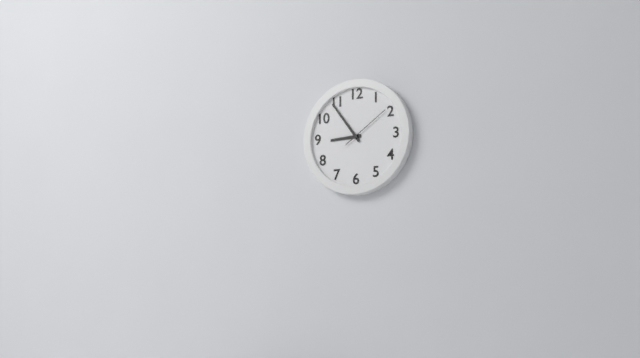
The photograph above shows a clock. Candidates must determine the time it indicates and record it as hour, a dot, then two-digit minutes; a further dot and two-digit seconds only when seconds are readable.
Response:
8.54.09
